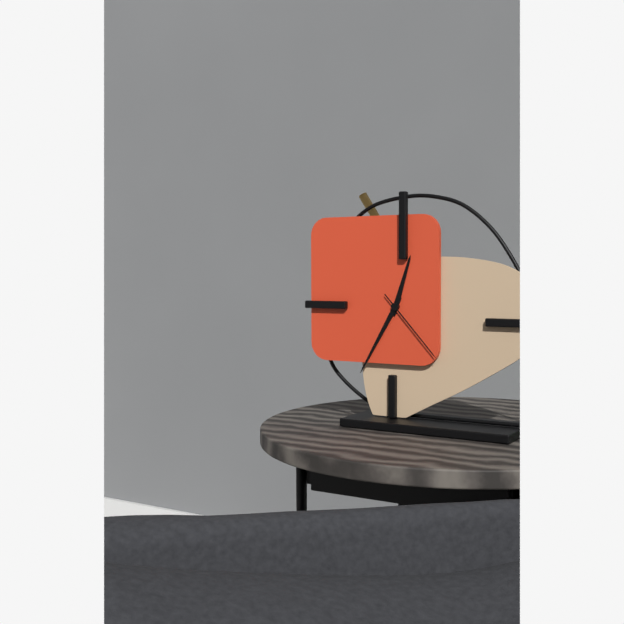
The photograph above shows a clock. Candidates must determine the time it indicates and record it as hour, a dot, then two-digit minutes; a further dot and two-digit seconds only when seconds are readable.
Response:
12.35.23
